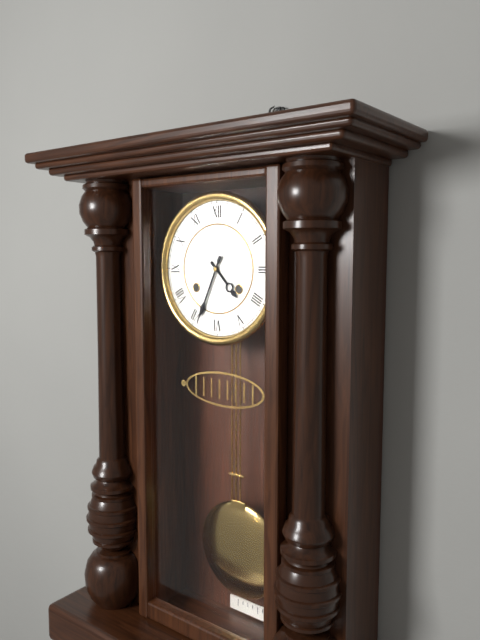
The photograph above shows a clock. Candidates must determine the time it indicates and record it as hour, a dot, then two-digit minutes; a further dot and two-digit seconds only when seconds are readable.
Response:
4.34
